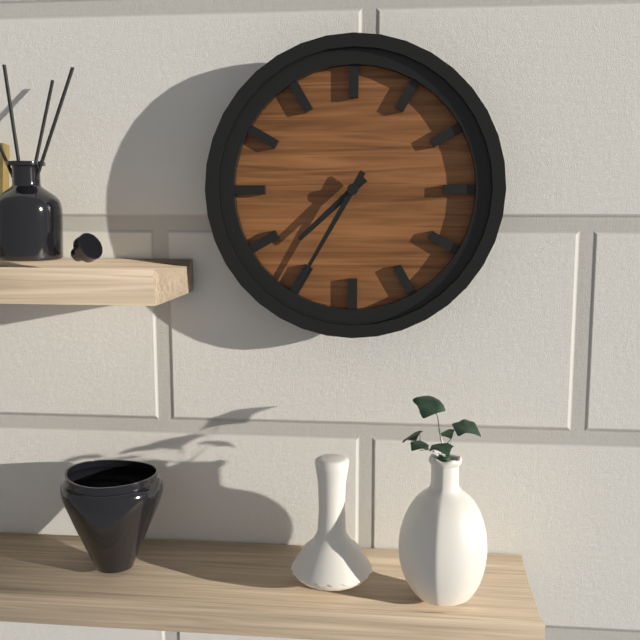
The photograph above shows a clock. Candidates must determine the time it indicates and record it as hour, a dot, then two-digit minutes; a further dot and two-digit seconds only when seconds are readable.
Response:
7.35
